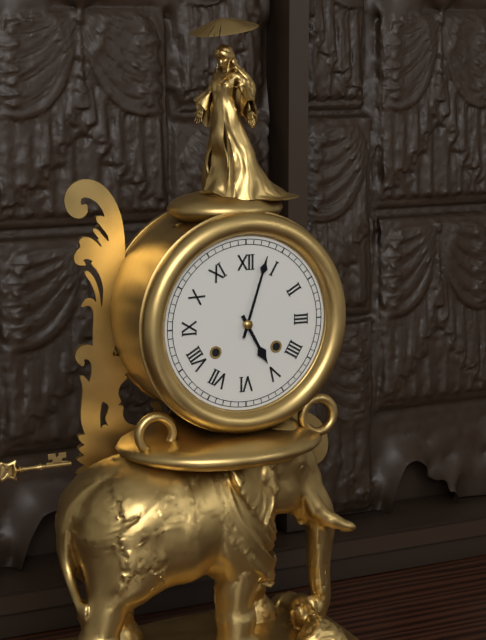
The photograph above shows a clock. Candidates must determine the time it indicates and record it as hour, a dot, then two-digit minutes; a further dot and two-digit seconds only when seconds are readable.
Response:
5.03
